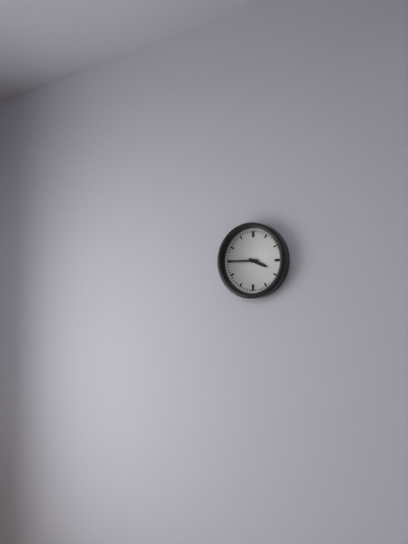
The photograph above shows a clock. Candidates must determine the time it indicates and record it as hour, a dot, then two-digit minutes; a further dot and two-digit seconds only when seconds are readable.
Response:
3.45
